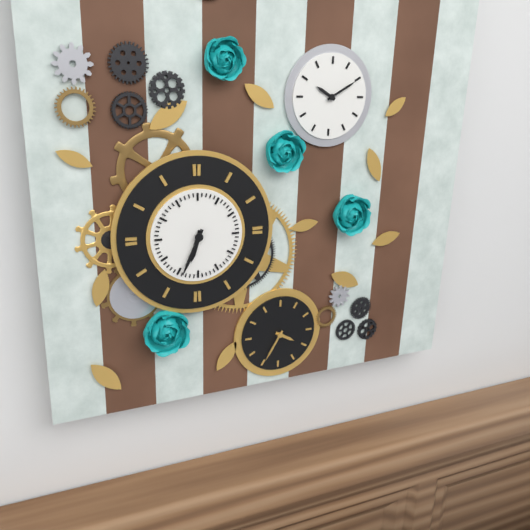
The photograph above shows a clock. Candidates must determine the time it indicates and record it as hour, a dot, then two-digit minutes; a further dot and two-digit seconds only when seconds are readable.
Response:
6.34
